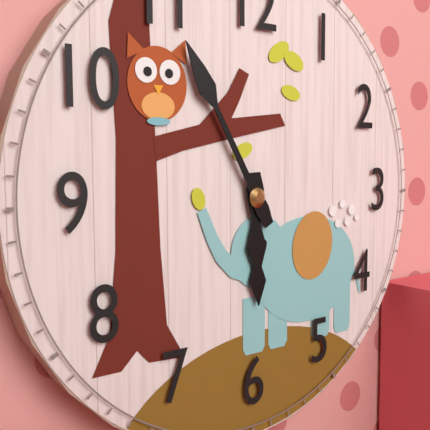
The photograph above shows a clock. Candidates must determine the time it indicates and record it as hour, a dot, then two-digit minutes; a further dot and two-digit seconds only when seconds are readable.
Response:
5.55
